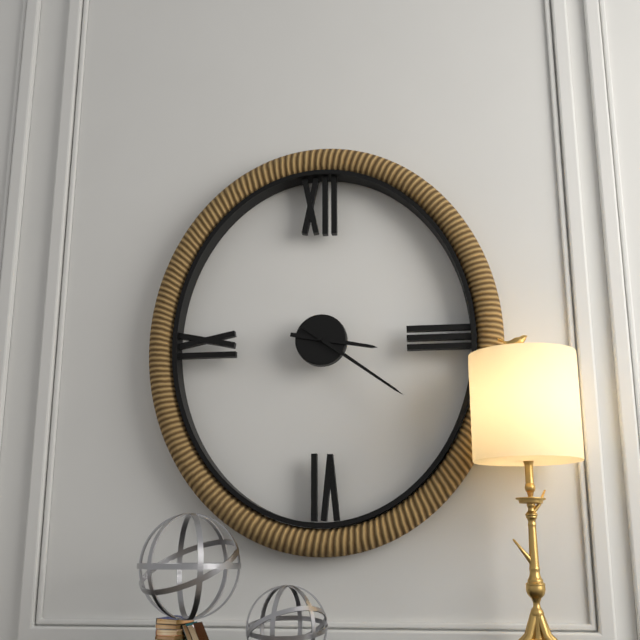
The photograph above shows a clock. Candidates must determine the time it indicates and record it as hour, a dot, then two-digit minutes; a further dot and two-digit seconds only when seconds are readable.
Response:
3.21
